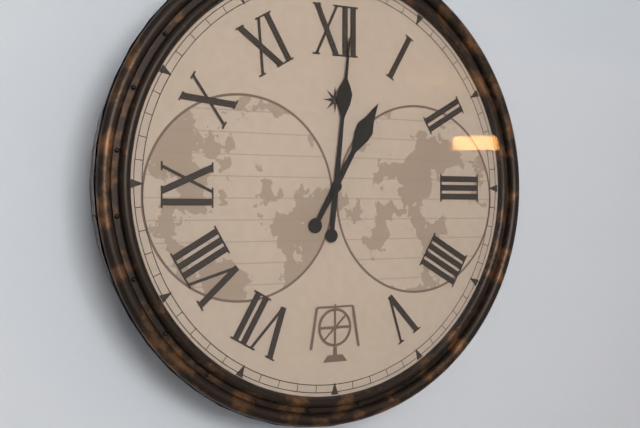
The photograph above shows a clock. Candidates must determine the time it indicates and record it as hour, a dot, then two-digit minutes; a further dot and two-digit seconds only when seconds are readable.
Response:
1.01
